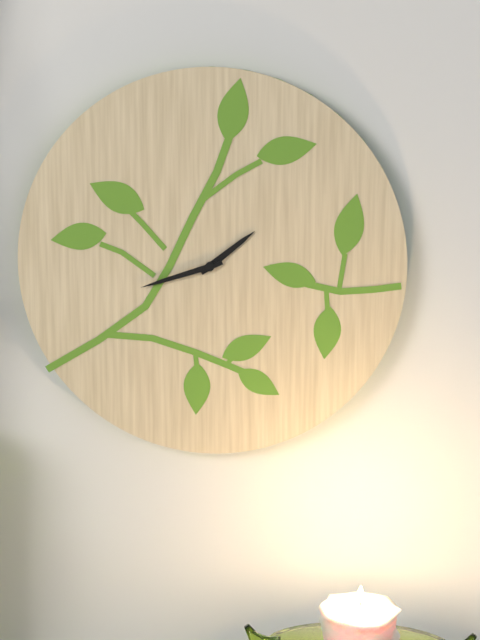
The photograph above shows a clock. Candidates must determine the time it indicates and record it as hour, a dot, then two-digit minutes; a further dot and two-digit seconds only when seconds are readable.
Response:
1.42
